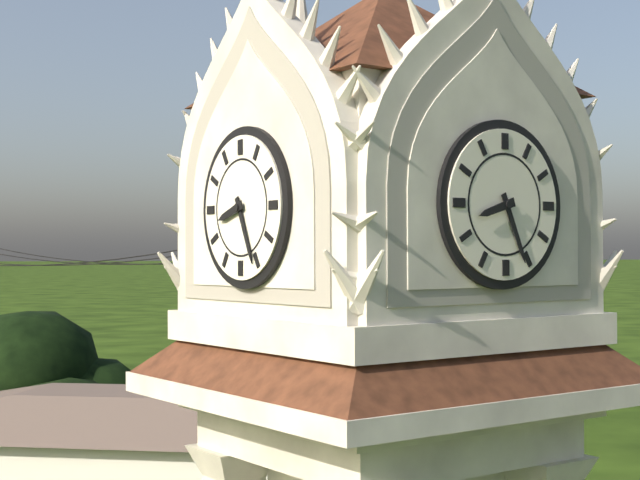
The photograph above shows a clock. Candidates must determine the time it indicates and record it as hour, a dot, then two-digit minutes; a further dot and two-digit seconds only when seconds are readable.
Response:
8.26
